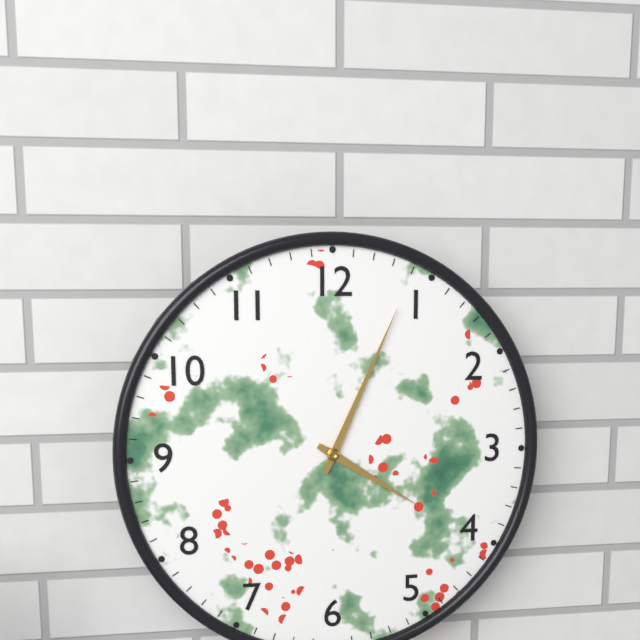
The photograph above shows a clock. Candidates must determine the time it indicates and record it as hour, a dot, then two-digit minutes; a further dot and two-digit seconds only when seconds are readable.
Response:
4.04
